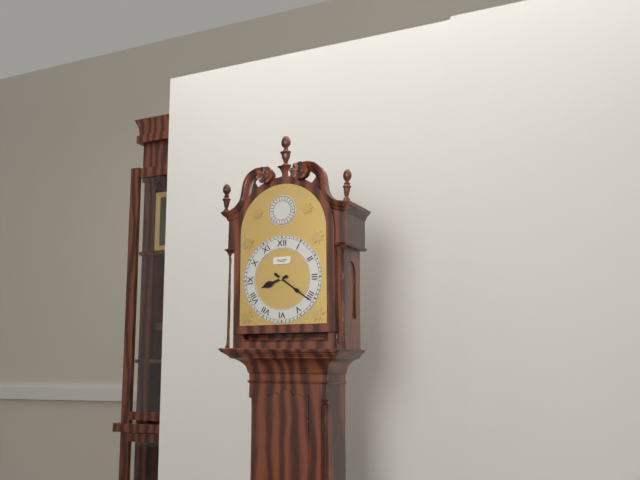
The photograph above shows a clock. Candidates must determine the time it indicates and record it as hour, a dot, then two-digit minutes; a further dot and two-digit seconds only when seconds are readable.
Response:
8.21
